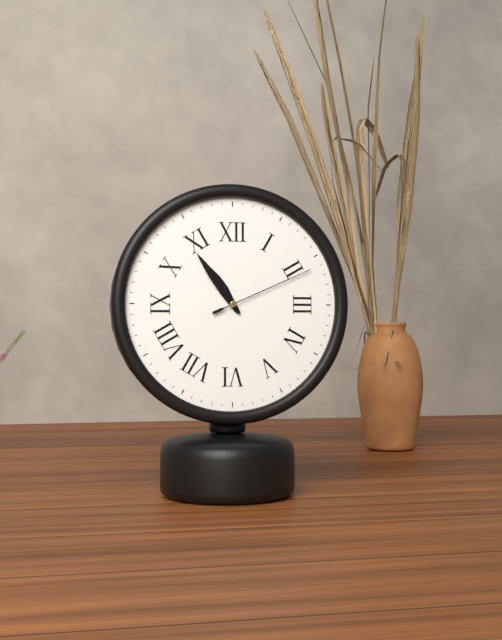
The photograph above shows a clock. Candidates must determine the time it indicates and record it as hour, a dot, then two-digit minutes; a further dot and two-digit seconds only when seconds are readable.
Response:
10.54.11
